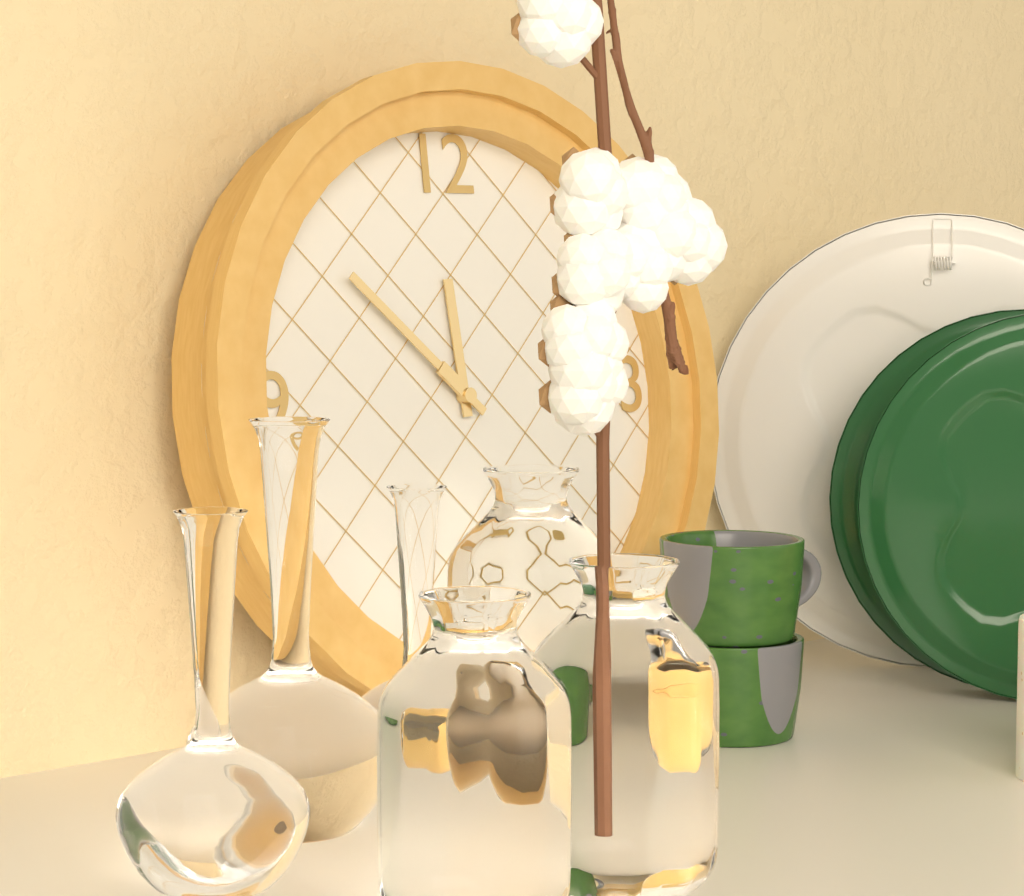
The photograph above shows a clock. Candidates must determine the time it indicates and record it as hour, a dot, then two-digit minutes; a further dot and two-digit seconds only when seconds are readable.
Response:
11.52
